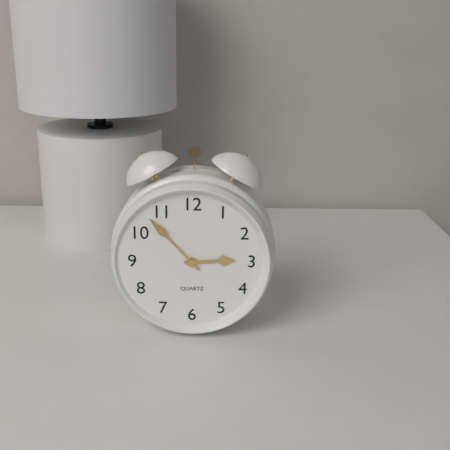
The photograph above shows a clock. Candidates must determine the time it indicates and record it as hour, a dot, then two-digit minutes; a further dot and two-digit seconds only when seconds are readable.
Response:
2.53
